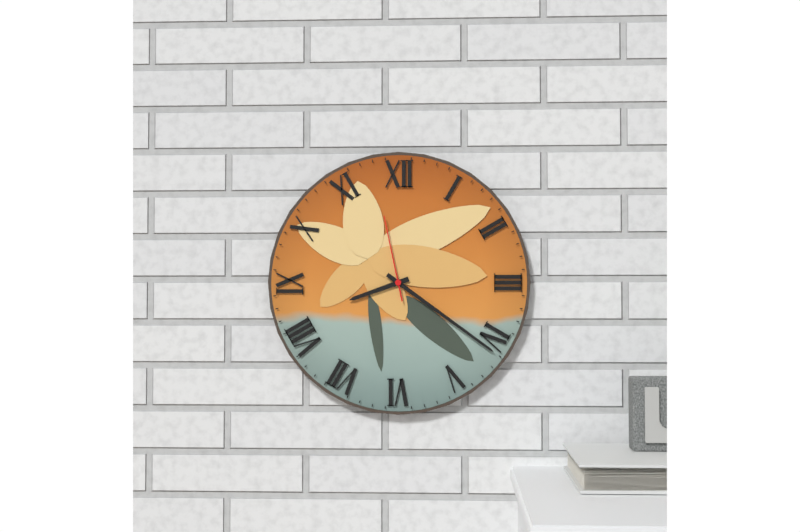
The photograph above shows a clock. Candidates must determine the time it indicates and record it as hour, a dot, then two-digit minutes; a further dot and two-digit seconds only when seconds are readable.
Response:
8.21.58
